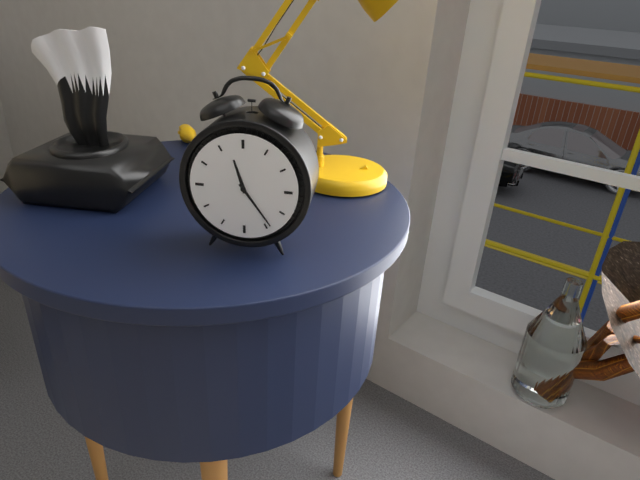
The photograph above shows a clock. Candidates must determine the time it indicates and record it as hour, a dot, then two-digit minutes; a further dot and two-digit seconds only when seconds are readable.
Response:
11.24
